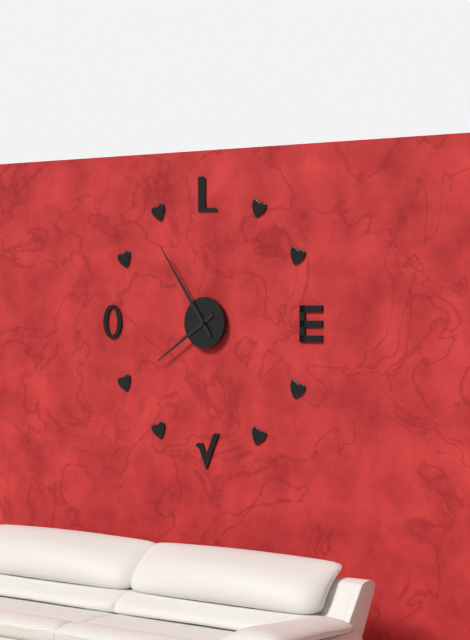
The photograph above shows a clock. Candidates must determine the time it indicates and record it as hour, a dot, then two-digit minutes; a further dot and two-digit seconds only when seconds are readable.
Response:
7.54
